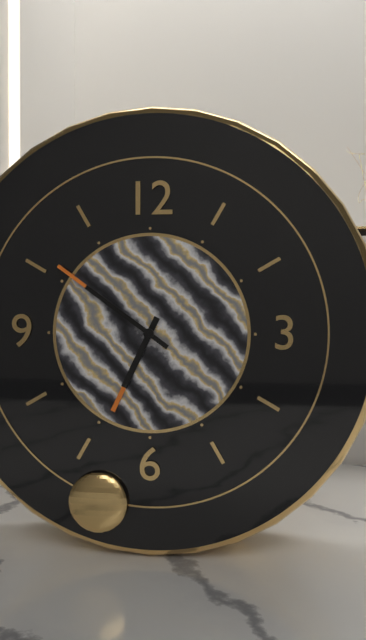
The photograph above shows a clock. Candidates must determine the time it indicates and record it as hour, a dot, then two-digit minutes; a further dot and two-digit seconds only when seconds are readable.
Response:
6.51
